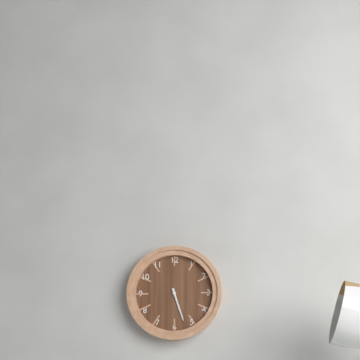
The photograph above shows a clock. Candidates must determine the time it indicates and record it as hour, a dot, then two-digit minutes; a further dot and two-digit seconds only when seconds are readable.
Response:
5.27
